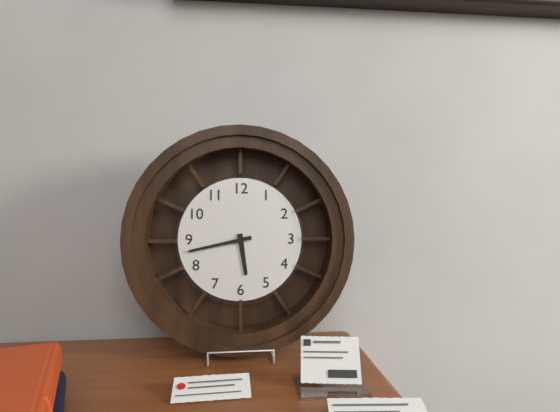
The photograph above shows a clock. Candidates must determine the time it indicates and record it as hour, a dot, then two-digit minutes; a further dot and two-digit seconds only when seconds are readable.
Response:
5.43
